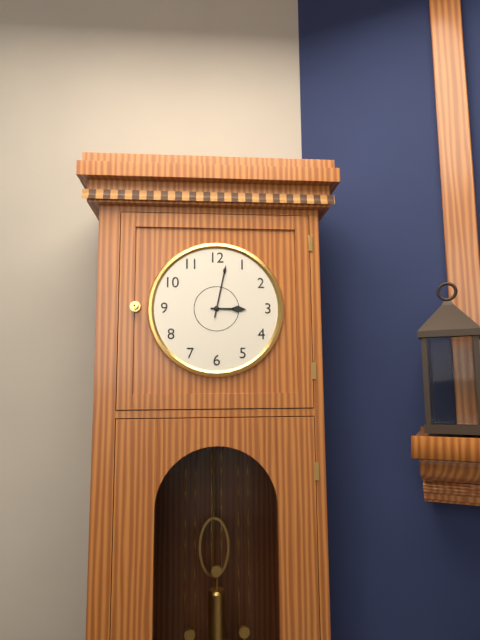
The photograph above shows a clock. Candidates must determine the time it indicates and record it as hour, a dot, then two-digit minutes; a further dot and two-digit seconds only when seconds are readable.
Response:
3.02
